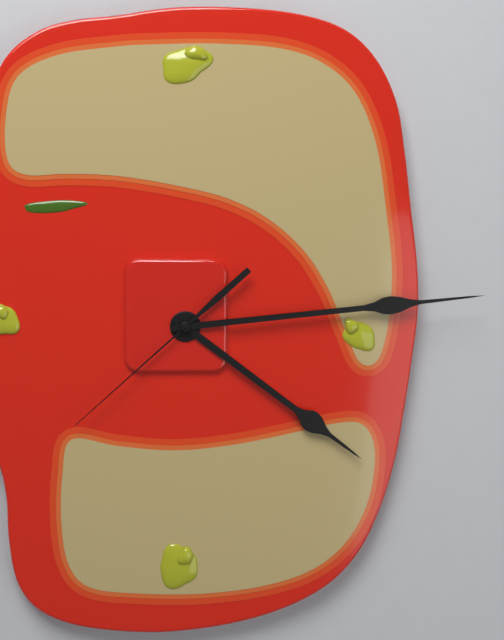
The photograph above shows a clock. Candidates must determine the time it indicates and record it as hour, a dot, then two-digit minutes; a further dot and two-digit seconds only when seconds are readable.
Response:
4.14.38
